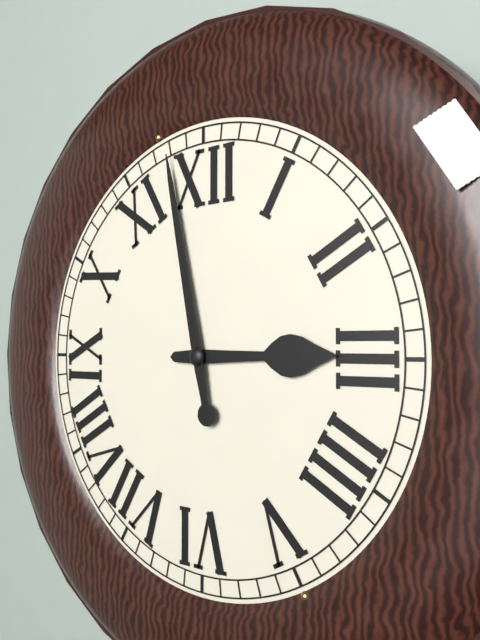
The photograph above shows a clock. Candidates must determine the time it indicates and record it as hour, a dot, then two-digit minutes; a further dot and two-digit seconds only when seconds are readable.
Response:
2.58
